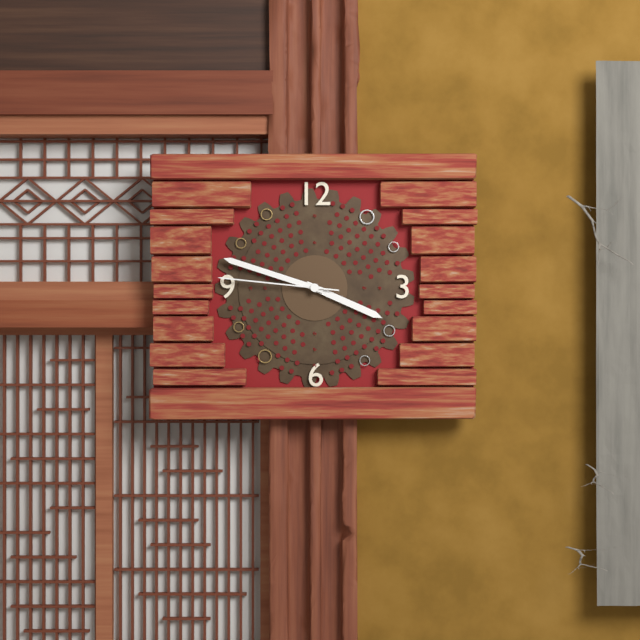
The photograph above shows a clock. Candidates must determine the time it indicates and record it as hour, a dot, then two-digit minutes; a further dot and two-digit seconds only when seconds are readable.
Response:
3.48.46
